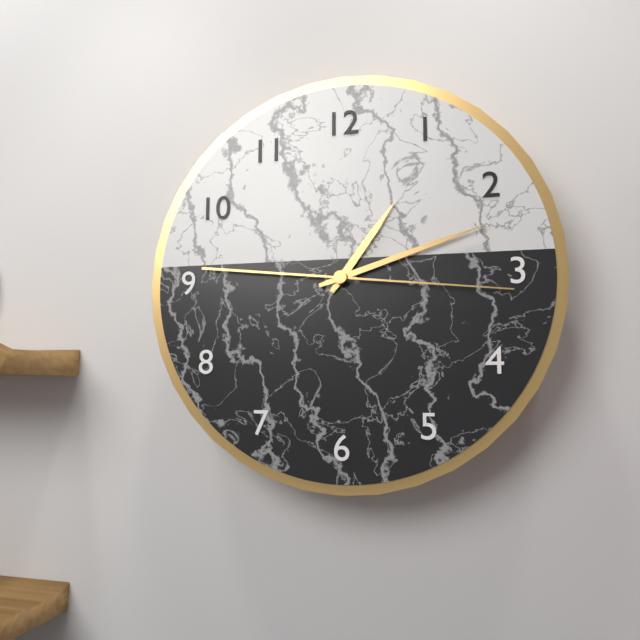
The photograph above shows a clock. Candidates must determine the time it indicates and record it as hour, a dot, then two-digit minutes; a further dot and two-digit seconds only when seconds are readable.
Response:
1.12.16
